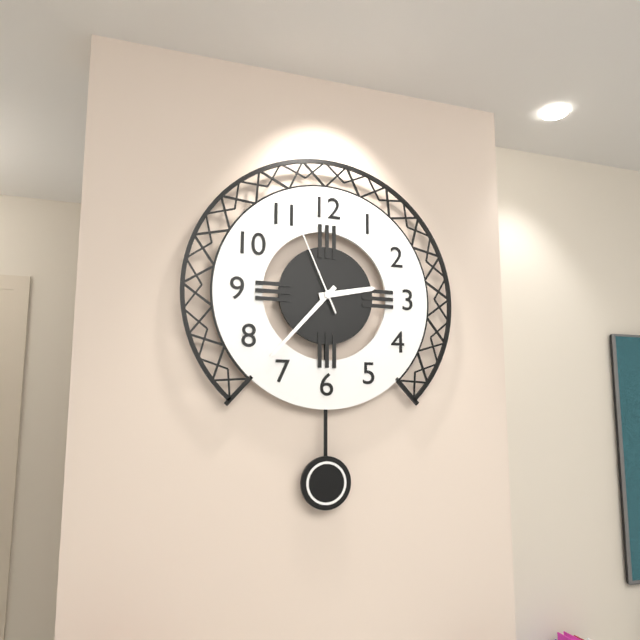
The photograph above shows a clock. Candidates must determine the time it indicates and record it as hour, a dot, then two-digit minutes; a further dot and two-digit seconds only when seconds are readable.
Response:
2.37.56
